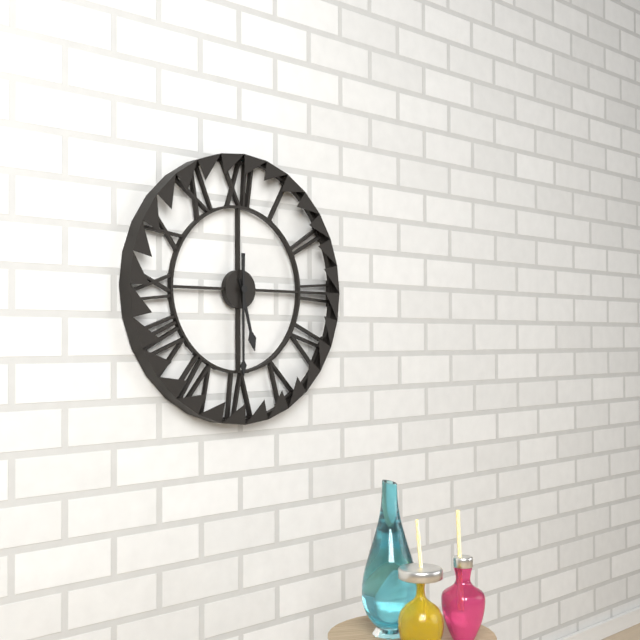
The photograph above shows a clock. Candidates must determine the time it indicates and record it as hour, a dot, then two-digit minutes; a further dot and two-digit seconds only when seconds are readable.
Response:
5.30
